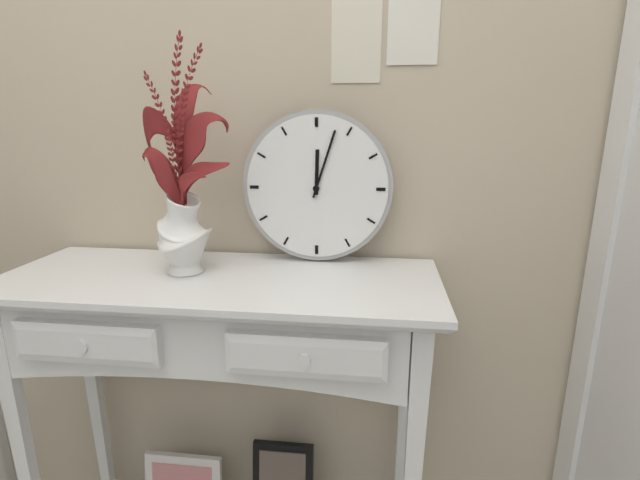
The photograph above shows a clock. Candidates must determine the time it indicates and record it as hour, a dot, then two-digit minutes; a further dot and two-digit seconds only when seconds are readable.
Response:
12.03
